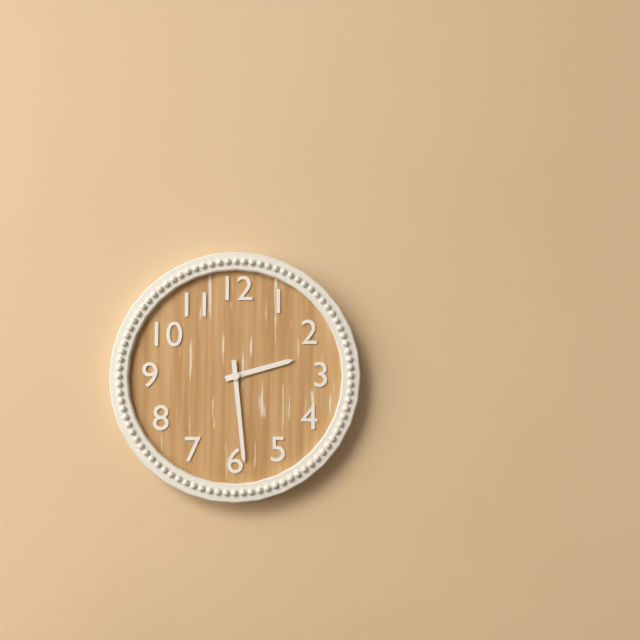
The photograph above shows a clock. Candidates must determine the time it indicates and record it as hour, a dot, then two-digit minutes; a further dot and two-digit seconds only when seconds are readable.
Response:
2.29
